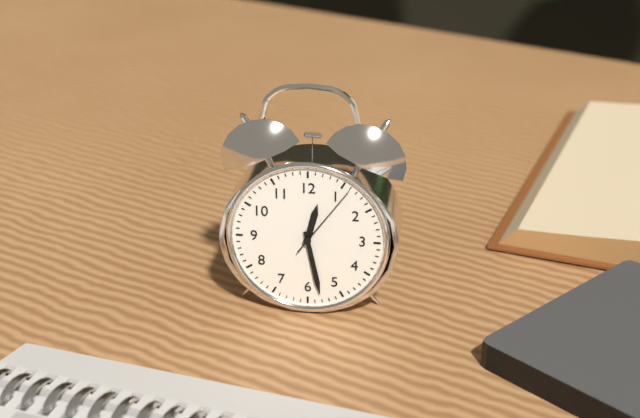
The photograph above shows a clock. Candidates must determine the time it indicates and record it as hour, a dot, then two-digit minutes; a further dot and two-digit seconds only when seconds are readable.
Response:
12.28.06
